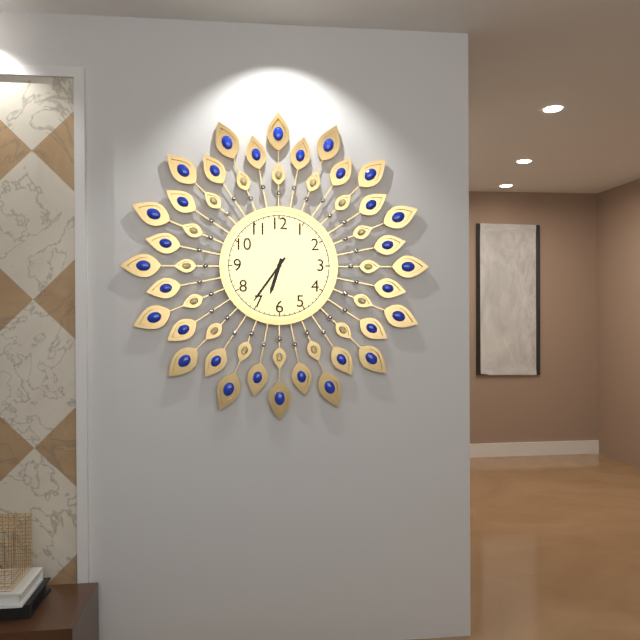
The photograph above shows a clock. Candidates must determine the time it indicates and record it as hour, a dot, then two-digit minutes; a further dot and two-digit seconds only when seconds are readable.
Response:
6.36
